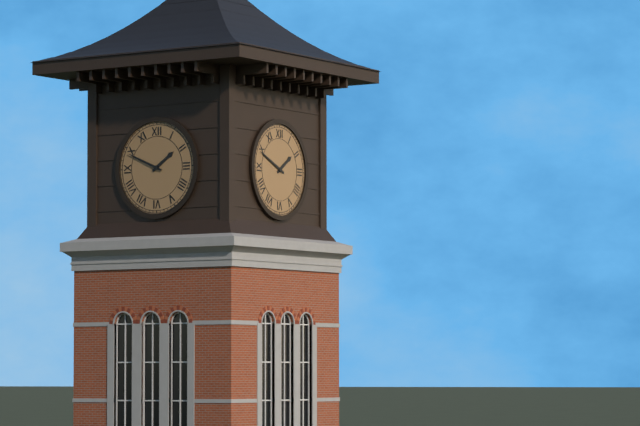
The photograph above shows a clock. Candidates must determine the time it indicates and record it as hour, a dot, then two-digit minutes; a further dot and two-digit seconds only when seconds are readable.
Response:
1.49
